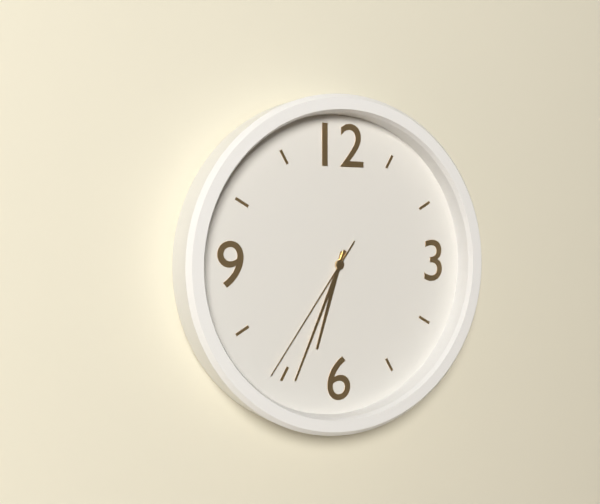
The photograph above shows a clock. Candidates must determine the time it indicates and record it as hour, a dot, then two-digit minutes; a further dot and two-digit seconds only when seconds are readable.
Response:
6.34.36
